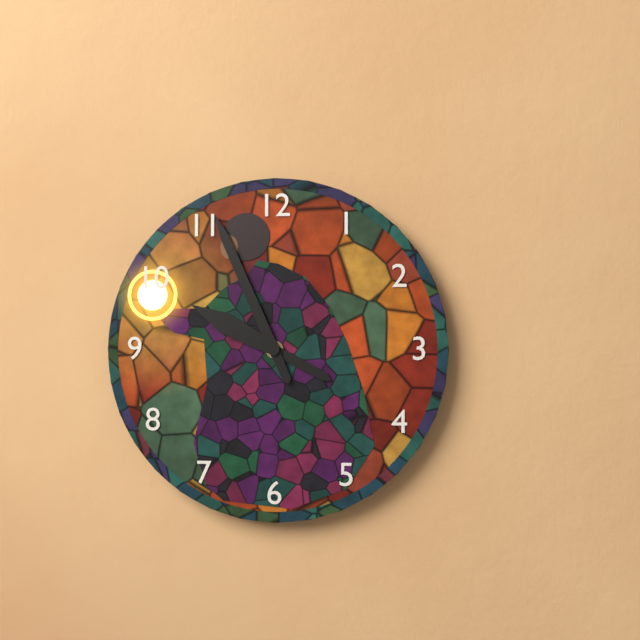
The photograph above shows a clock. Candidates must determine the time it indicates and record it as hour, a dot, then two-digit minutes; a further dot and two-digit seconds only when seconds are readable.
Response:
9.56
